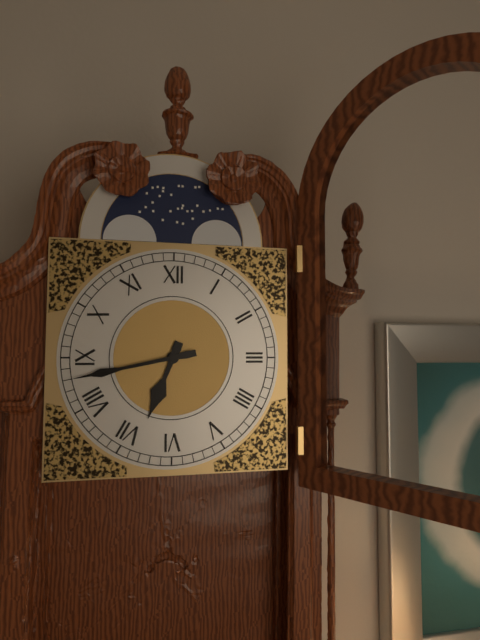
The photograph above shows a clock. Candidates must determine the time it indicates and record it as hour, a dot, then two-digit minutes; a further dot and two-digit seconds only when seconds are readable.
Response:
6.43
